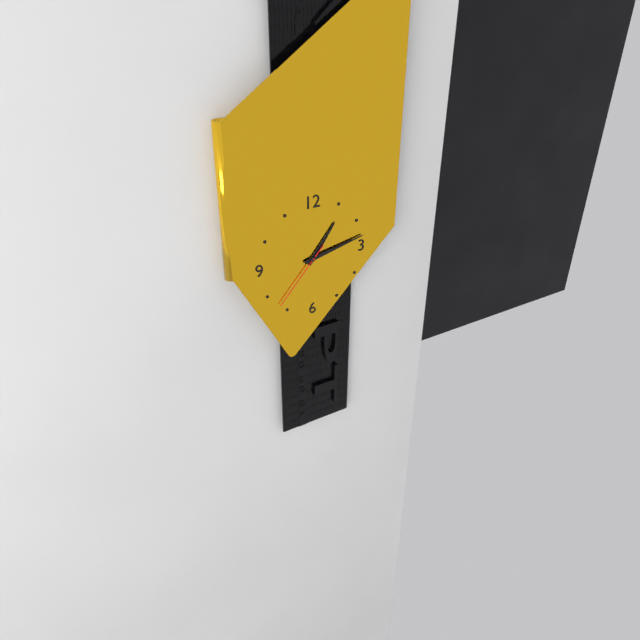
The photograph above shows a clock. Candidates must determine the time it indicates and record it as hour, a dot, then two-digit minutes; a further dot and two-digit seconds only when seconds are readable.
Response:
1.13.37
